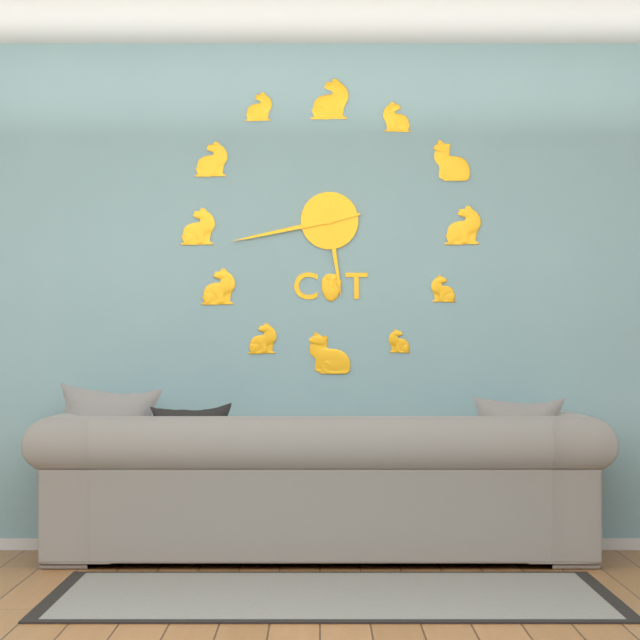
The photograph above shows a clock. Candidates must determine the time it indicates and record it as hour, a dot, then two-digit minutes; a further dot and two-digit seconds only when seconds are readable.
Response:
5.43
